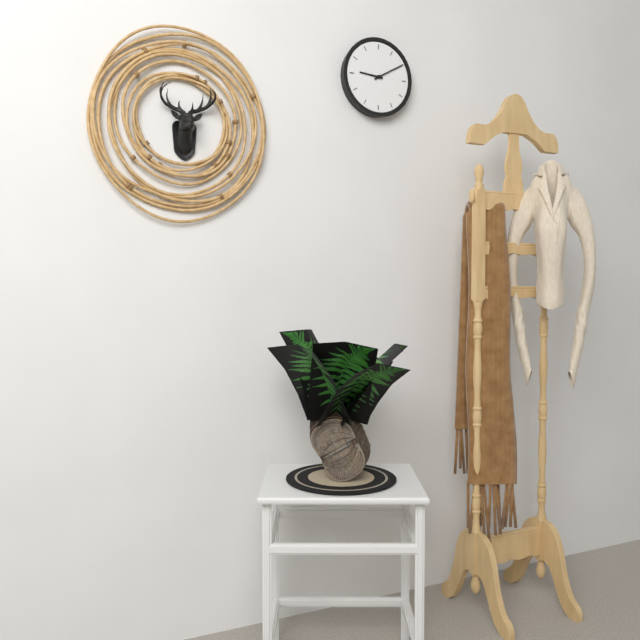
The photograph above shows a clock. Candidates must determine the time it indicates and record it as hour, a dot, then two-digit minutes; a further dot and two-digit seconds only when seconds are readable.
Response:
9.10
